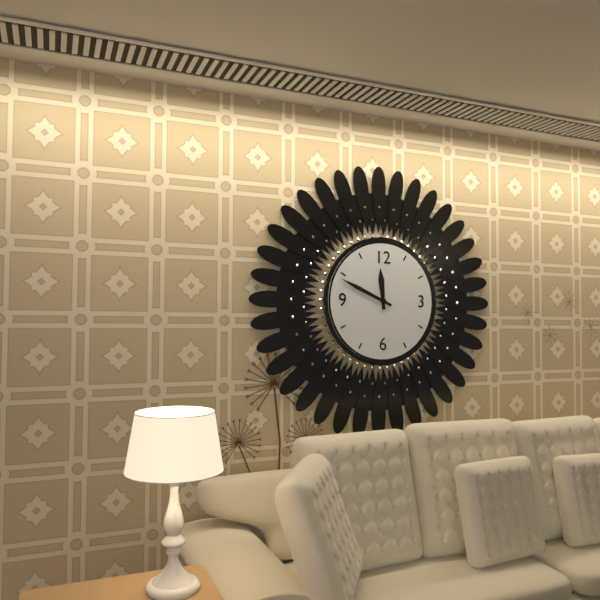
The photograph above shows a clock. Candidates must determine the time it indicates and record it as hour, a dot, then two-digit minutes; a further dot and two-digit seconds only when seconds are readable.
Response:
11.49
